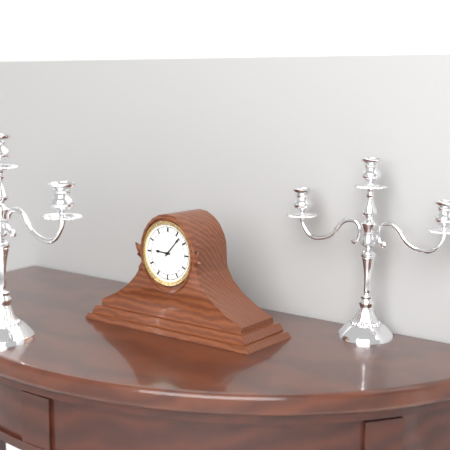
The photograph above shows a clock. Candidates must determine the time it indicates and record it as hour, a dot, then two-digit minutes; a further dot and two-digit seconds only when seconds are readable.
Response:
9.07
